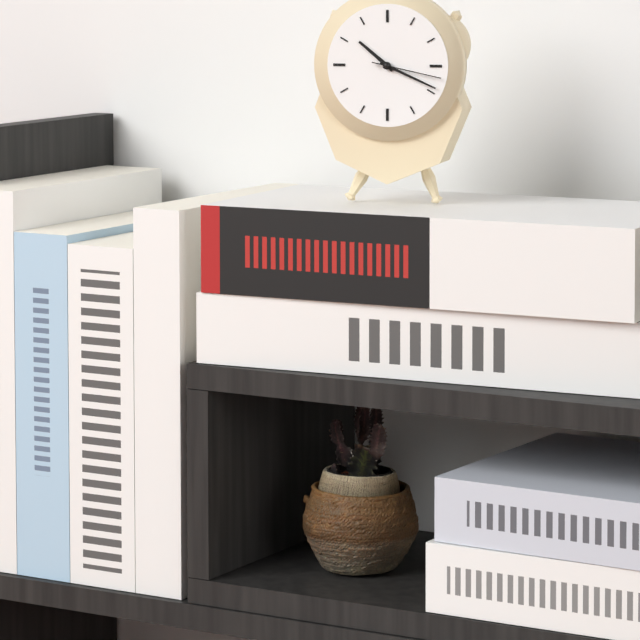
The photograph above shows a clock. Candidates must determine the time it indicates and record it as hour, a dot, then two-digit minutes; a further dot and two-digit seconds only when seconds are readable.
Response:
10.19.17
